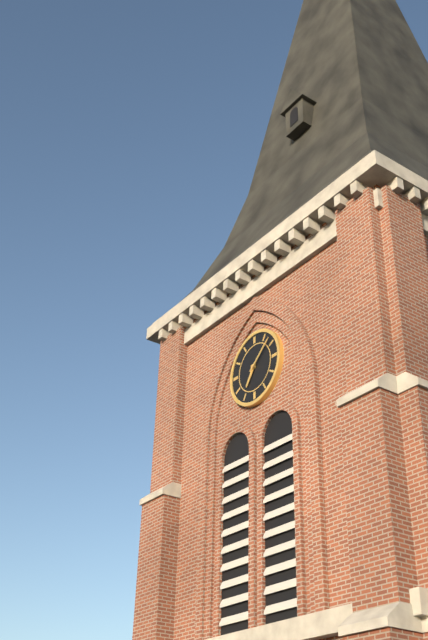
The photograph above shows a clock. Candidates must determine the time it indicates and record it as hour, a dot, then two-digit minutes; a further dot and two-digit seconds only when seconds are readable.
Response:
7.08
